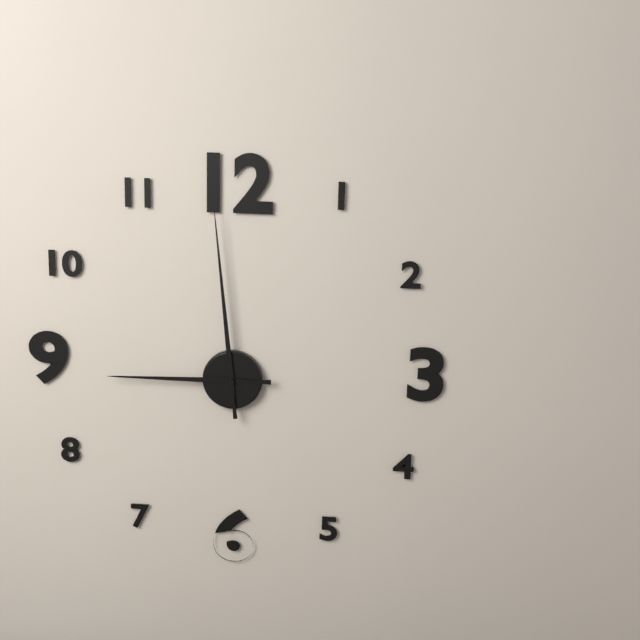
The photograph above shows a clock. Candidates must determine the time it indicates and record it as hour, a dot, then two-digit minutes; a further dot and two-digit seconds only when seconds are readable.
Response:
8.59
